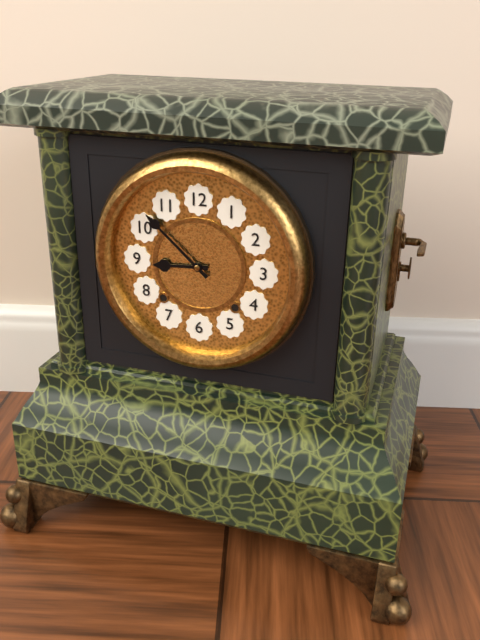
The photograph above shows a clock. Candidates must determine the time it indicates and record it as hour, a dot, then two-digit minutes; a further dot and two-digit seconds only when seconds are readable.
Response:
8.52
